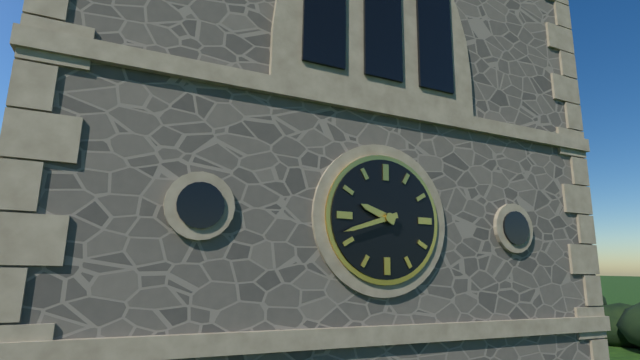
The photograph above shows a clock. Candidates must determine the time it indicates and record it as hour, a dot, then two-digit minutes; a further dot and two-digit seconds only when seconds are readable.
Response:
9.42
